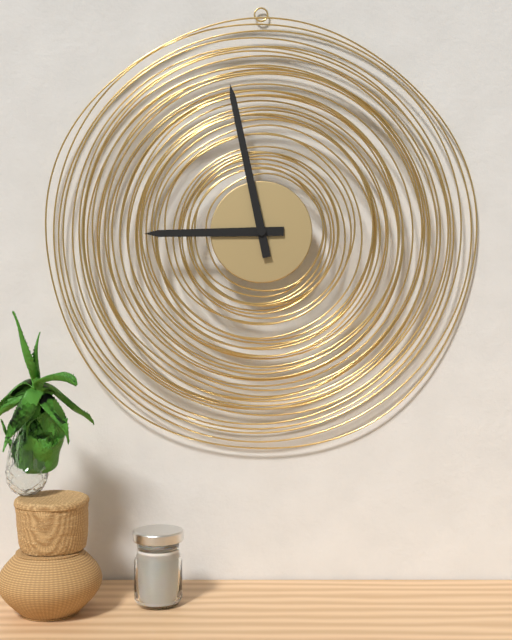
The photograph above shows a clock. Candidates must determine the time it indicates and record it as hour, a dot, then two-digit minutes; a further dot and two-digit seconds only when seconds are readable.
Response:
8.58
